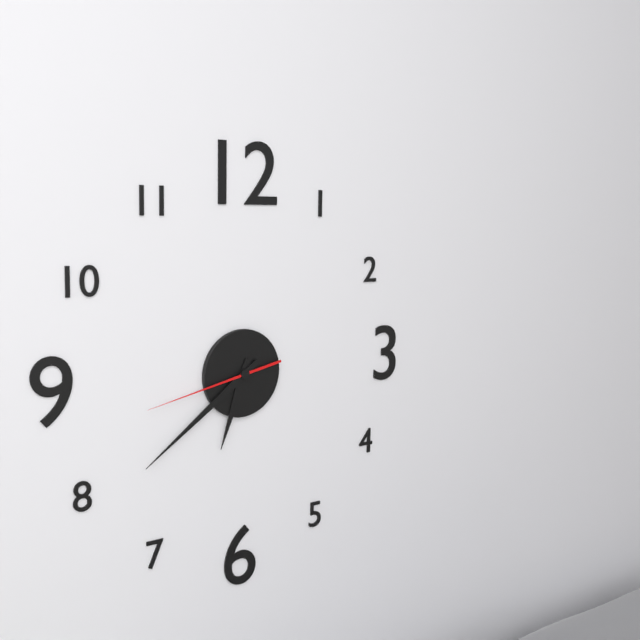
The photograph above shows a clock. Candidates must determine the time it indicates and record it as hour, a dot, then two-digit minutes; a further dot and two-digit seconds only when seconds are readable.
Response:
6.39.43
